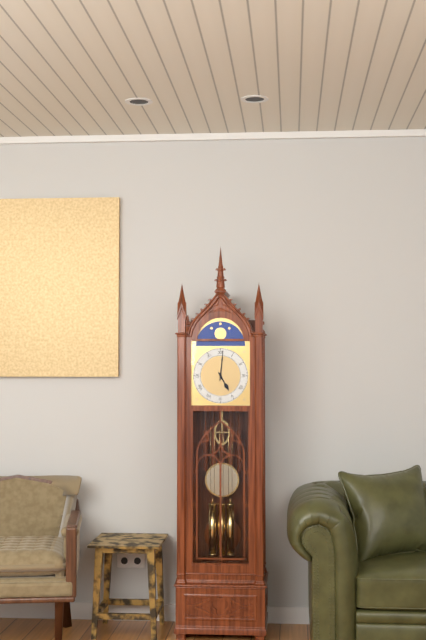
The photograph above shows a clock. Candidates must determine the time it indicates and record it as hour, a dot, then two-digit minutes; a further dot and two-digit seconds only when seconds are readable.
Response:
5.01
